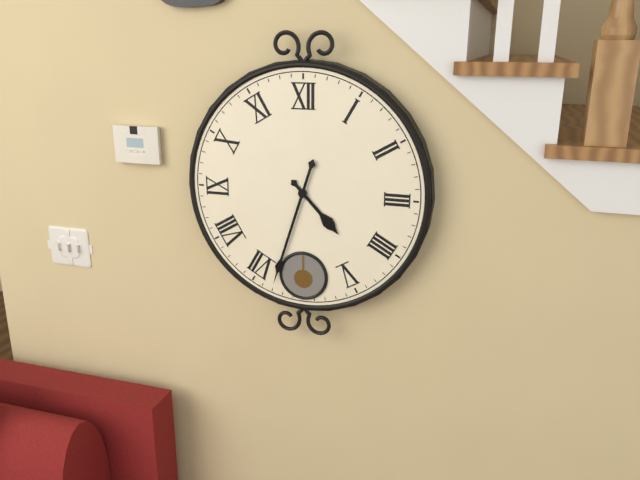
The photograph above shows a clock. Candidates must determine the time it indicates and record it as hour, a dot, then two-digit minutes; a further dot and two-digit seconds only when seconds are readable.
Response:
4.33
